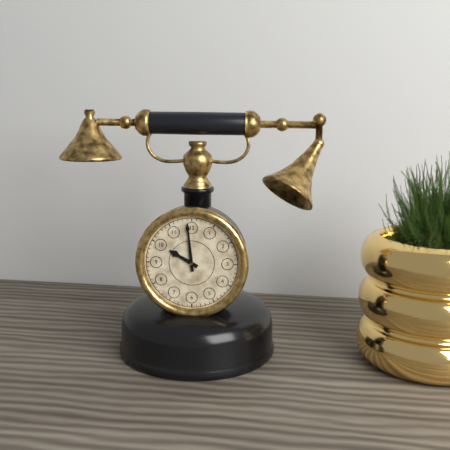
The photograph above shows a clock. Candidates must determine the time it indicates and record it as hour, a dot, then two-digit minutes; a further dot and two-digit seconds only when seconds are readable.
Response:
9.59
